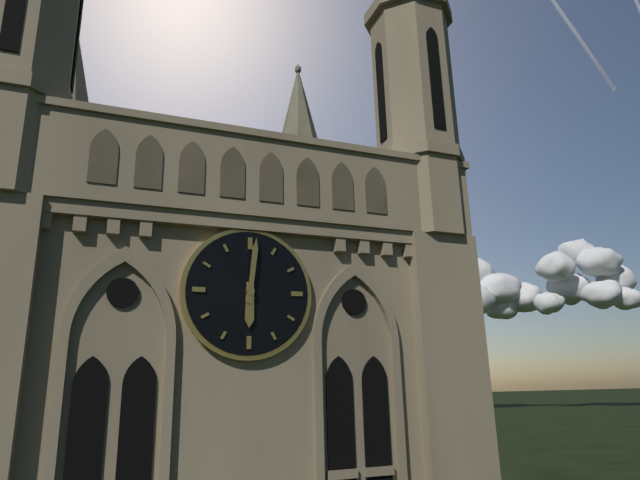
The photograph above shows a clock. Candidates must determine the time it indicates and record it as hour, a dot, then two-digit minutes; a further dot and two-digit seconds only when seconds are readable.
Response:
6.01
